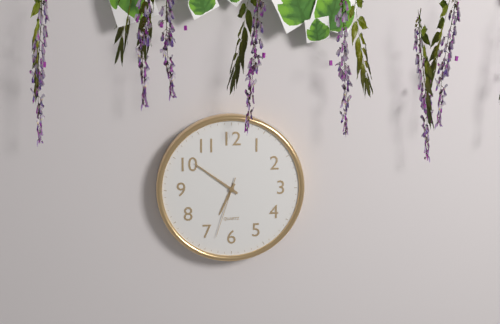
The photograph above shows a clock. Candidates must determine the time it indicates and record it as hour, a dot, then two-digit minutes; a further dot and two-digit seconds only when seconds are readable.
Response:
6.51.33
